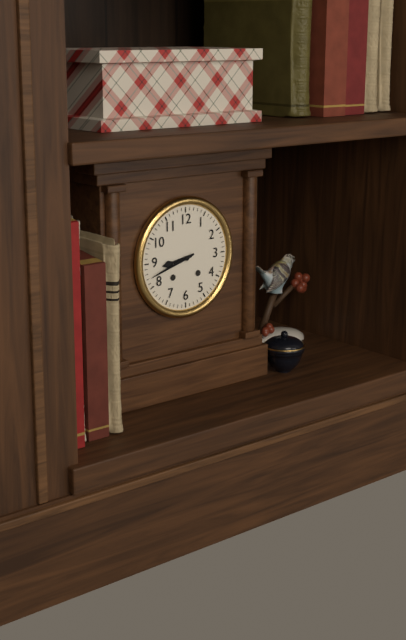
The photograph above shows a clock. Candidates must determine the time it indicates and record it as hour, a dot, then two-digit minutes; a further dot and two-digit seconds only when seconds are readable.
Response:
8.42
